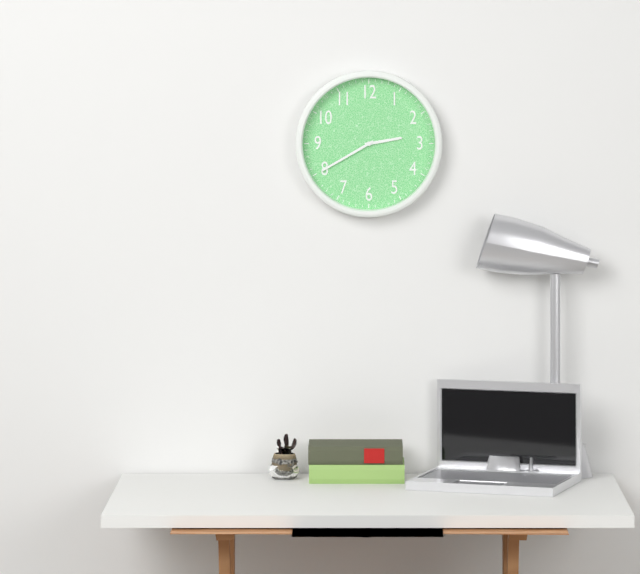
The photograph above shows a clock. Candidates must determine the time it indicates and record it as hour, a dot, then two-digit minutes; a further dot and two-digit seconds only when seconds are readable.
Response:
2.40
